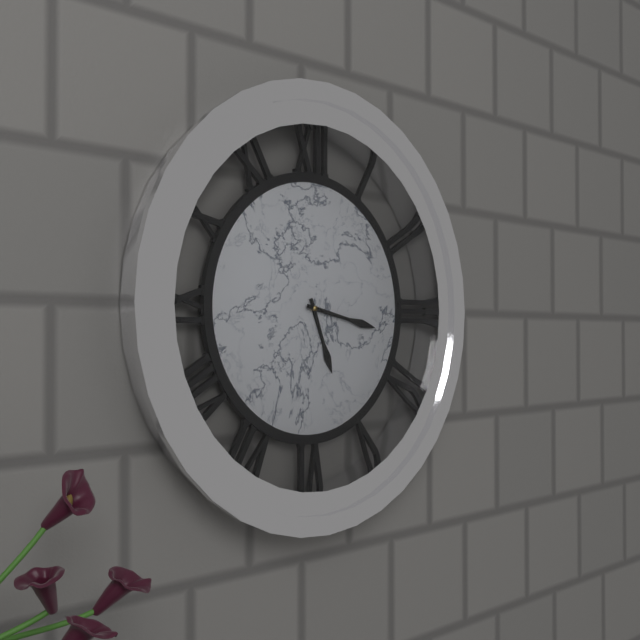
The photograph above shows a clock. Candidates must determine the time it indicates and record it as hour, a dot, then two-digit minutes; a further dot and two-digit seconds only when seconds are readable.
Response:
5.17
